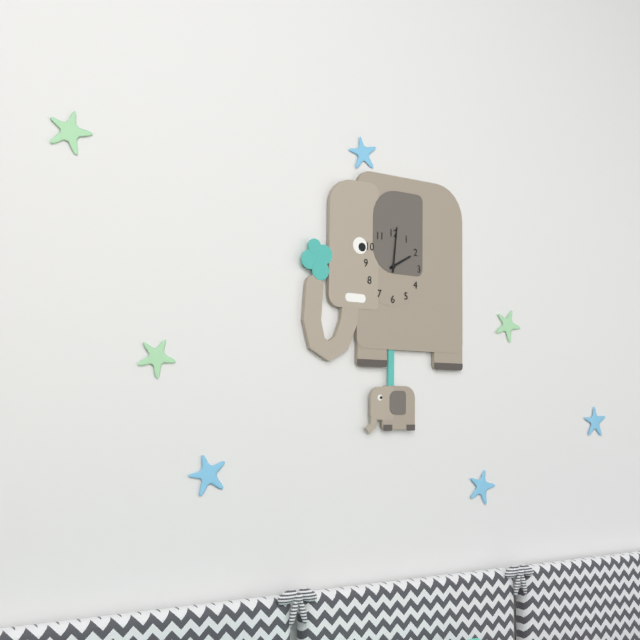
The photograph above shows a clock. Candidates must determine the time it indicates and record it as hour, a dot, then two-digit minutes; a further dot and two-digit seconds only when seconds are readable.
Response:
2.01
